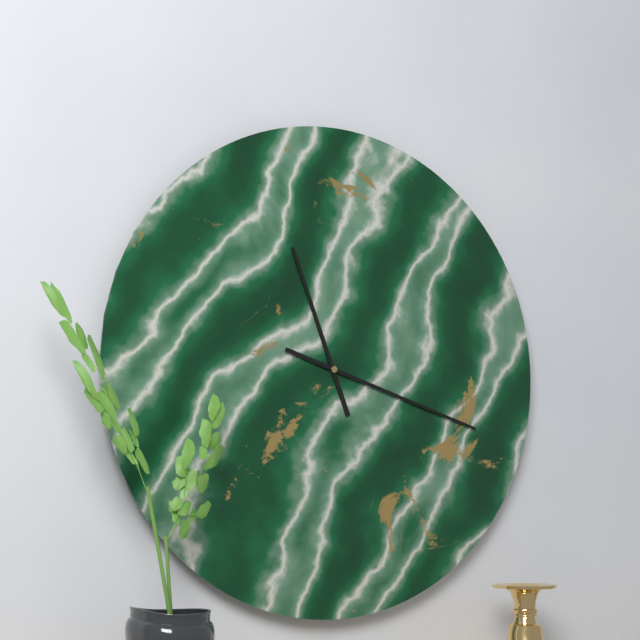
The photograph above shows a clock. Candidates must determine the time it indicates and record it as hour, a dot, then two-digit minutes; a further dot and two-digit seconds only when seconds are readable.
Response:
11.18
